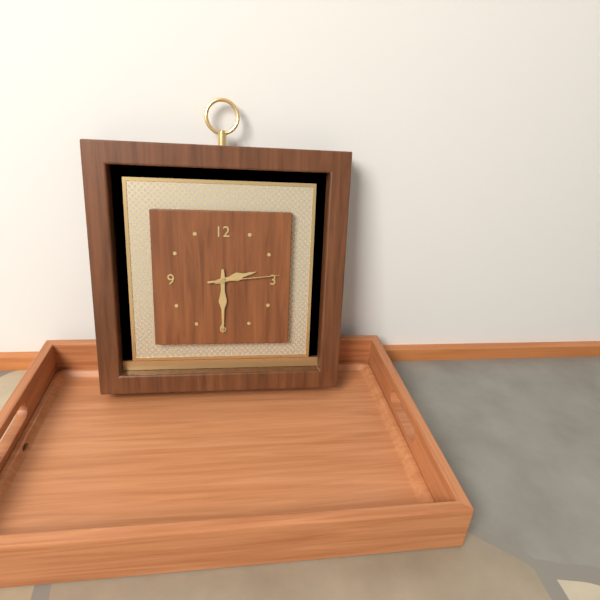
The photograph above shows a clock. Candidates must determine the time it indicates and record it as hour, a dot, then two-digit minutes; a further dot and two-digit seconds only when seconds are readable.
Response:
2.30.14
